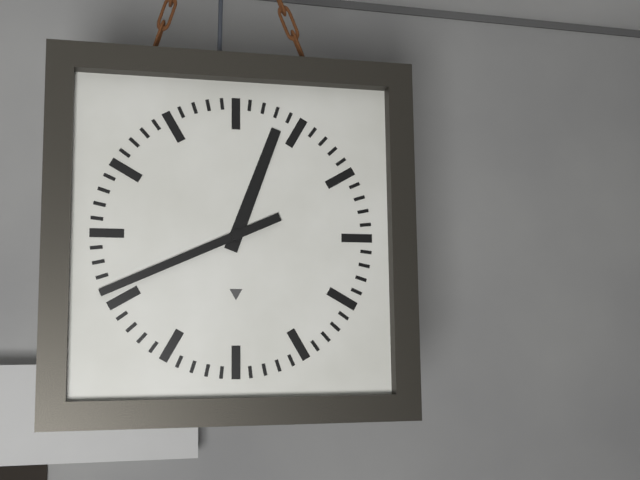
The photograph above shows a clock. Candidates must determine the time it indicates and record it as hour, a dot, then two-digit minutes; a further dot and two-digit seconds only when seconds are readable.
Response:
12.41
